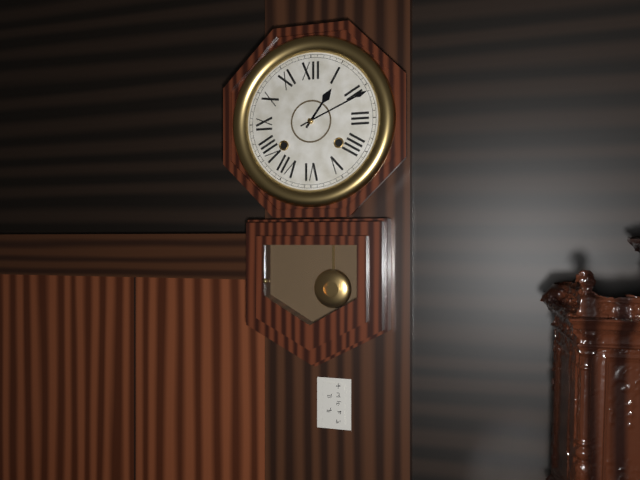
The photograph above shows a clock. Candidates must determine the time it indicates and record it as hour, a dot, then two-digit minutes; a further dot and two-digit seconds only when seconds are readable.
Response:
1.11
